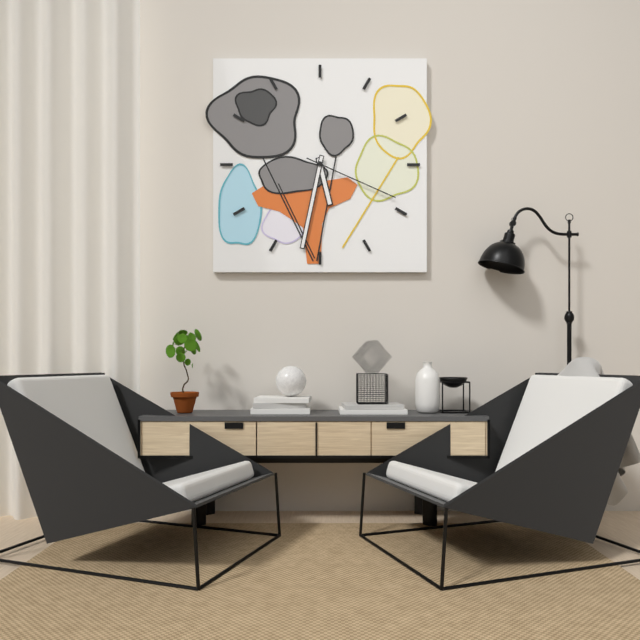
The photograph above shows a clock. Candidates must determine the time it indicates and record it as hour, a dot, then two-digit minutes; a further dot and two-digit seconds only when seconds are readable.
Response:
5.32.19
